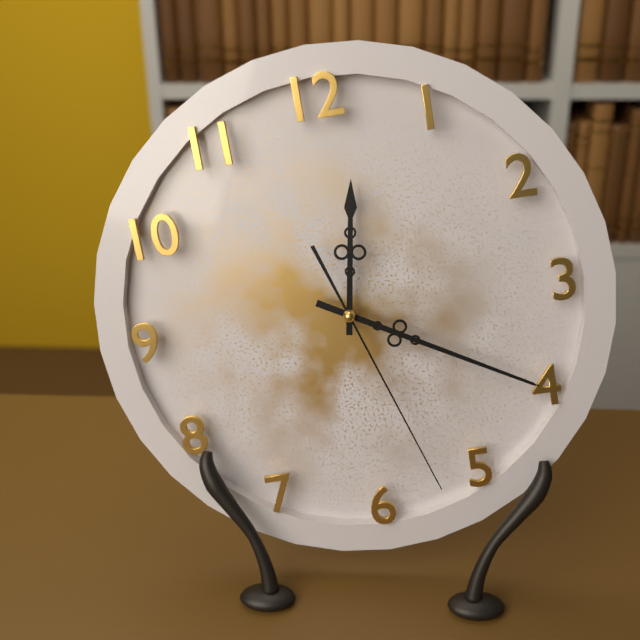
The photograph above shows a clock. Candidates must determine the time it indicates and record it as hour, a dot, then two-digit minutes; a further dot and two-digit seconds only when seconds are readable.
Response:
12.20.27
